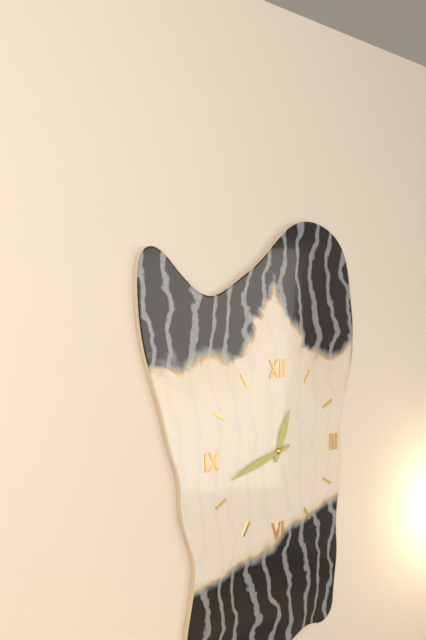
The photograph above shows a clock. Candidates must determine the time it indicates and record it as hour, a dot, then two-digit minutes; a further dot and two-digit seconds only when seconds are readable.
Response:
12.42
